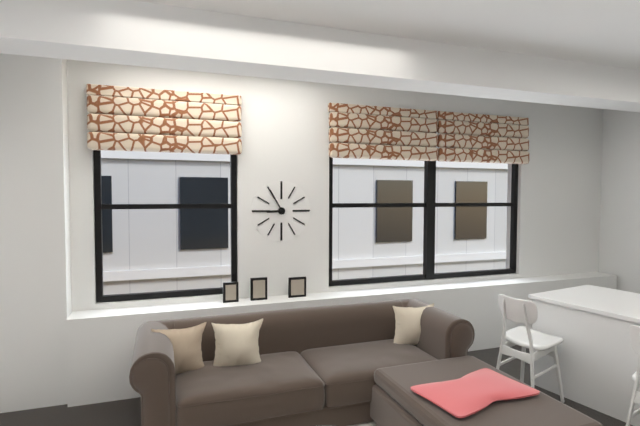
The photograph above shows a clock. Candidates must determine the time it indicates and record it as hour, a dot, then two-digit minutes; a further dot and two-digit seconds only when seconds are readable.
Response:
8.55
